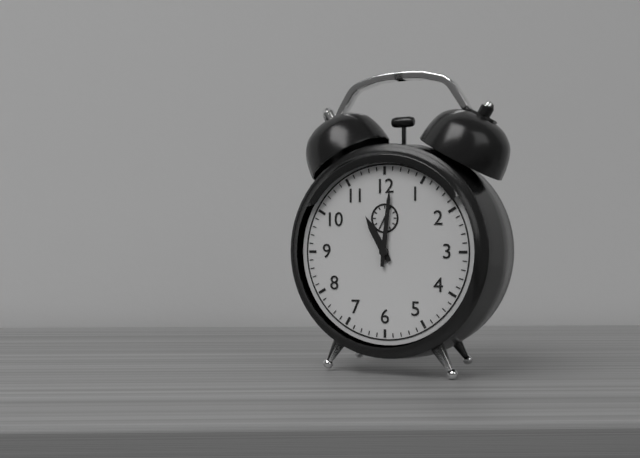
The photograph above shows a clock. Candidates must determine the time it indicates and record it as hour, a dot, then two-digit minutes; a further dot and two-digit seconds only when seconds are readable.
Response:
11.01
